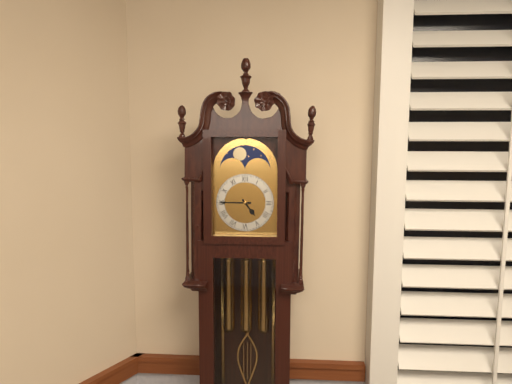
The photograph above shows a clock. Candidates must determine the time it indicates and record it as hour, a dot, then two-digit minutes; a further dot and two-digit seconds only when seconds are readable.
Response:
4.45
